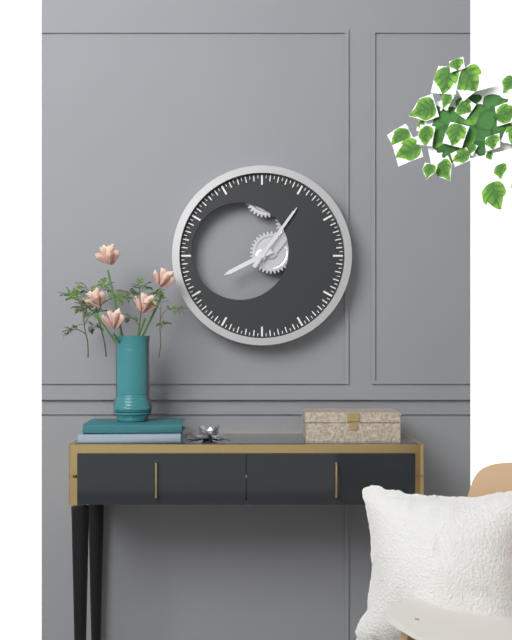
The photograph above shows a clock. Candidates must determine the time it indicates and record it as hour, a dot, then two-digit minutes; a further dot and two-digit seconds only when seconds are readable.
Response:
8.06
